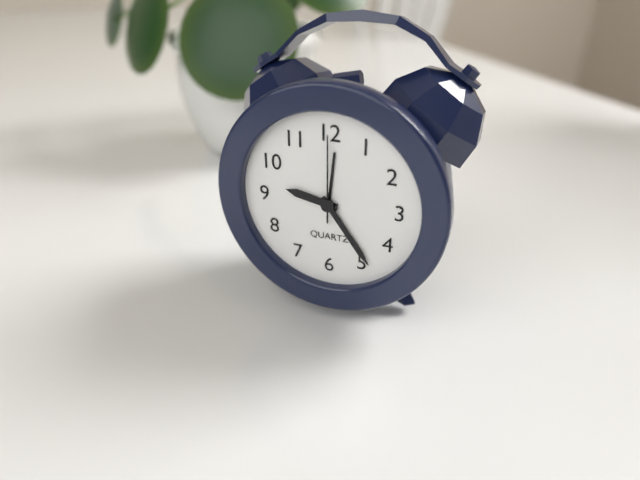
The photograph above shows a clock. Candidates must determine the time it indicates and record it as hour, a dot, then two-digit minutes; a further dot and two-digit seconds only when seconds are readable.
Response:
9.24.00
